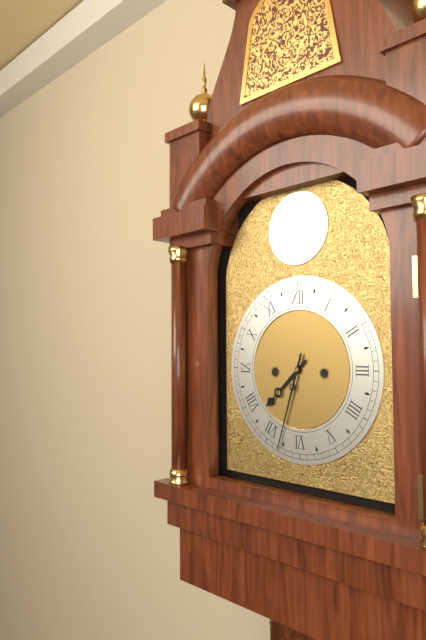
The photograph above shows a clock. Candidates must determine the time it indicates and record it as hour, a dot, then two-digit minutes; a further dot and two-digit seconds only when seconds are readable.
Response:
7.33
